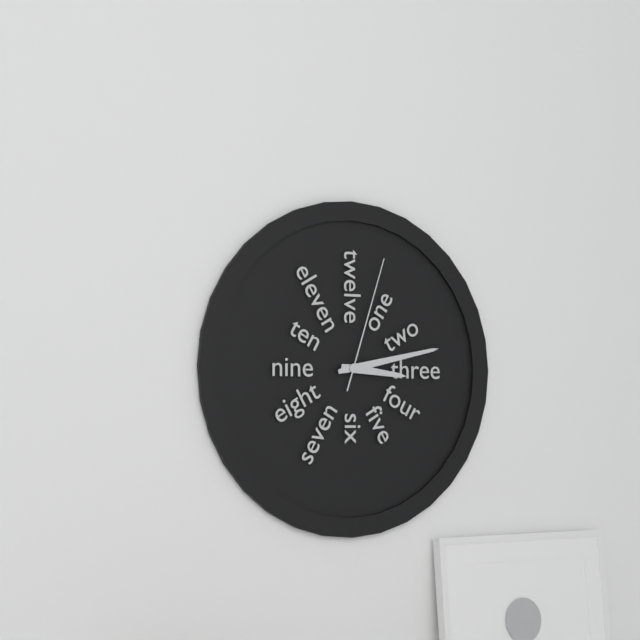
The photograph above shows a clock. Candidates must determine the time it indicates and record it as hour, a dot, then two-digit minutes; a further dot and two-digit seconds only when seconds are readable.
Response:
3.13.03
